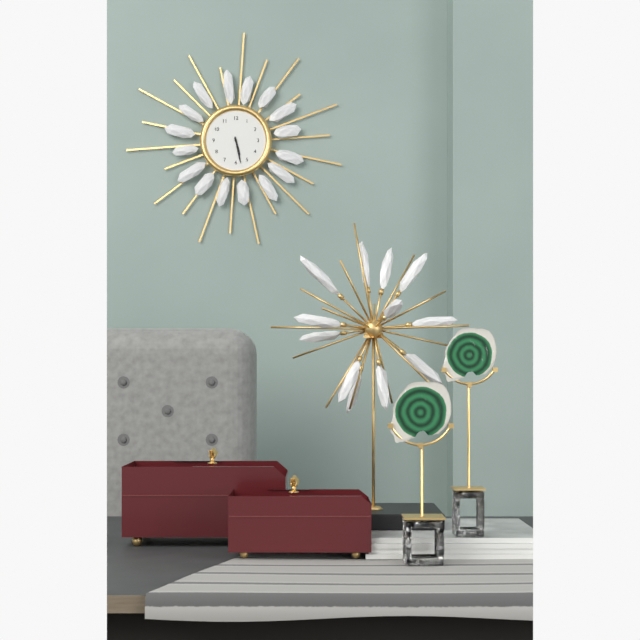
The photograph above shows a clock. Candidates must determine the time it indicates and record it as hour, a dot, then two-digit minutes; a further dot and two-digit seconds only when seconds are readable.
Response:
5.28
